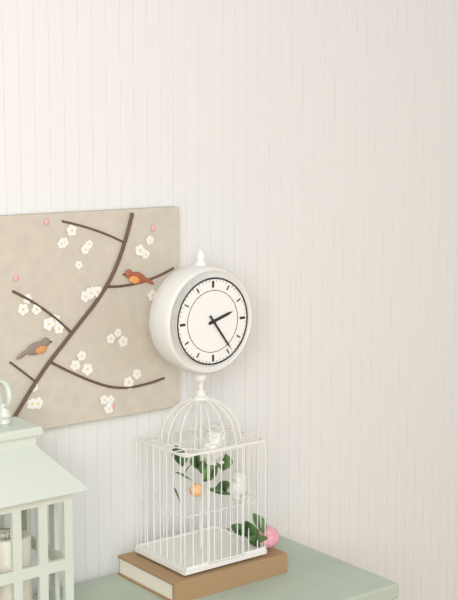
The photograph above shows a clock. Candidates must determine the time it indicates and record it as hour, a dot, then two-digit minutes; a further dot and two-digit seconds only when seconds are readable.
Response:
2.24
